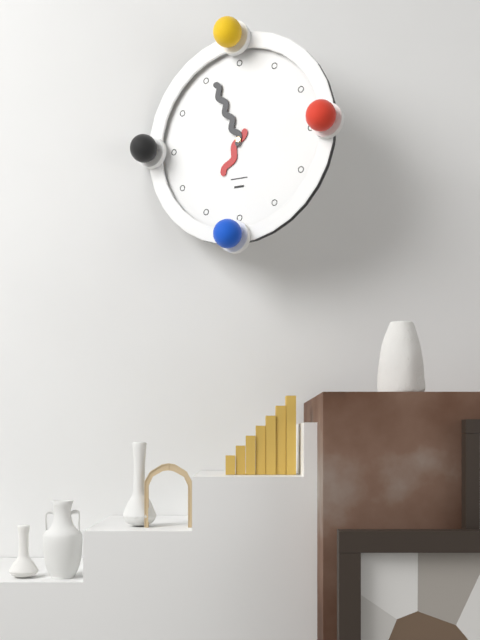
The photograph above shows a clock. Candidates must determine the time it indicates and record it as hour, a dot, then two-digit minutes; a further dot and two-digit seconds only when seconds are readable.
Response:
6.56
